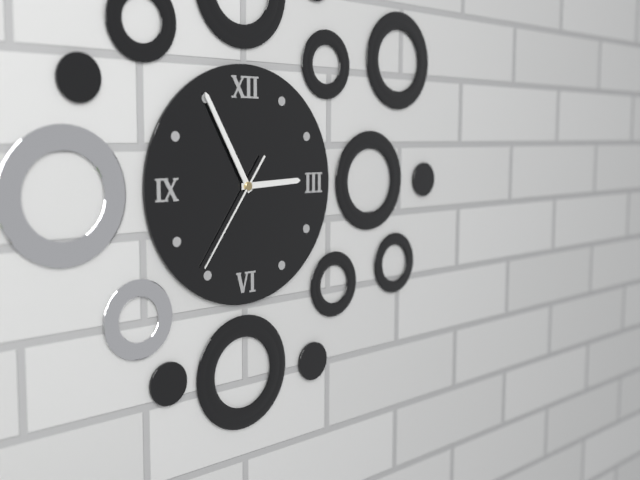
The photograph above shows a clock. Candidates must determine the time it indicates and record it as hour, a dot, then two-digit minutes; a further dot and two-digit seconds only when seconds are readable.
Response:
2.55.36
